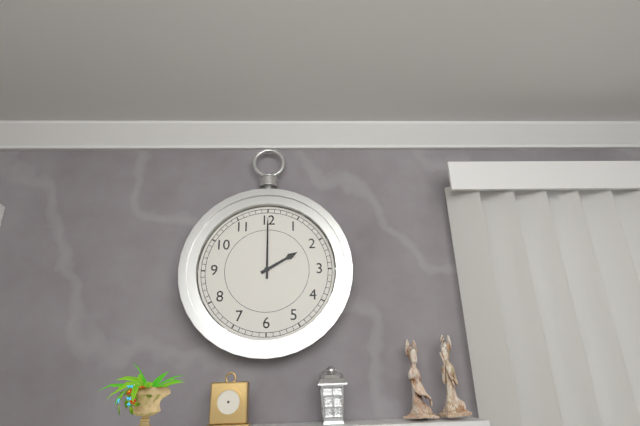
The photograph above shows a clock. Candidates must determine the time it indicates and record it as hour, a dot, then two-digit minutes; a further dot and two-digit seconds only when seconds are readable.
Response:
2.00
